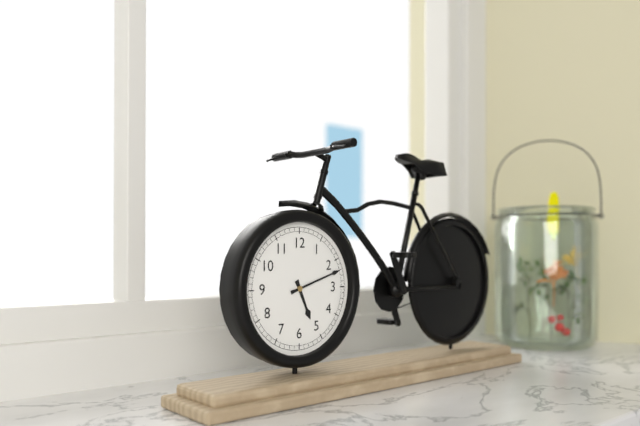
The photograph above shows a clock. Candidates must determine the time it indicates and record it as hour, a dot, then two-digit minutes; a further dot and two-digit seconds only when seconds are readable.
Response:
5.12
